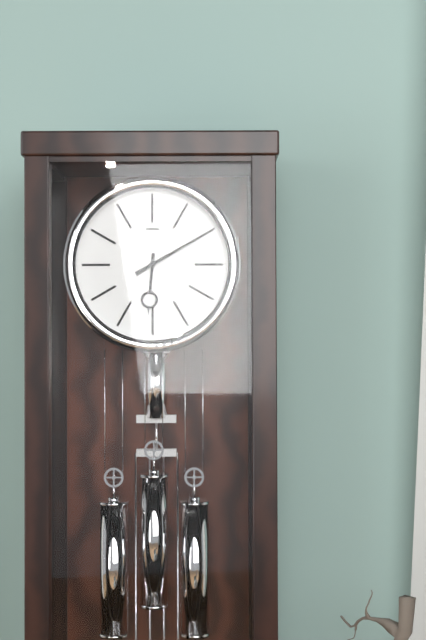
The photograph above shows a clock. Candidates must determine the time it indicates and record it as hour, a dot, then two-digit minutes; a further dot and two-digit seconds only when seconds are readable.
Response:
6.10
